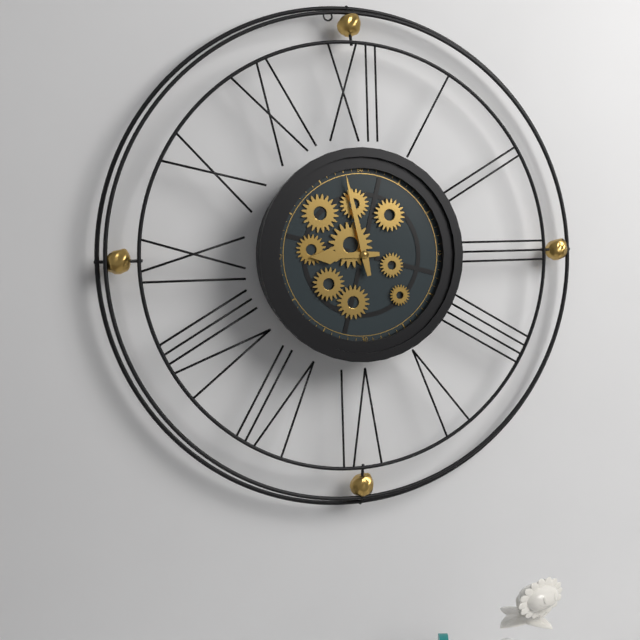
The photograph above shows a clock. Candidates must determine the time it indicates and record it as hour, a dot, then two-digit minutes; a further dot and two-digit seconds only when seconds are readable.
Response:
8.58
